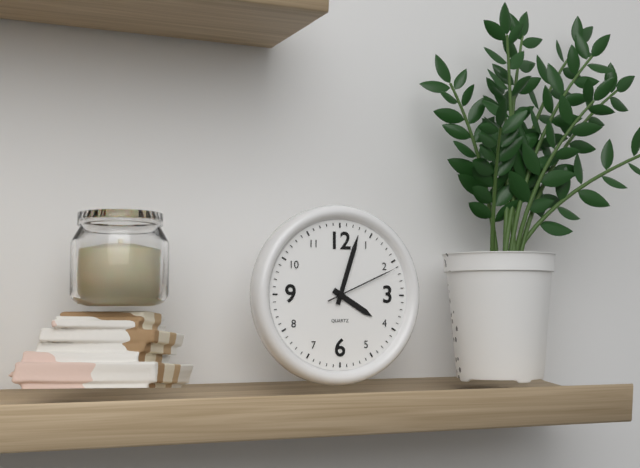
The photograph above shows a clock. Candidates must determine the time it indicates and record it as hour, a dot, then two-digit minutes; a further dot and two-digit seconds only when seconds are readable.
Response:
4.03.11
